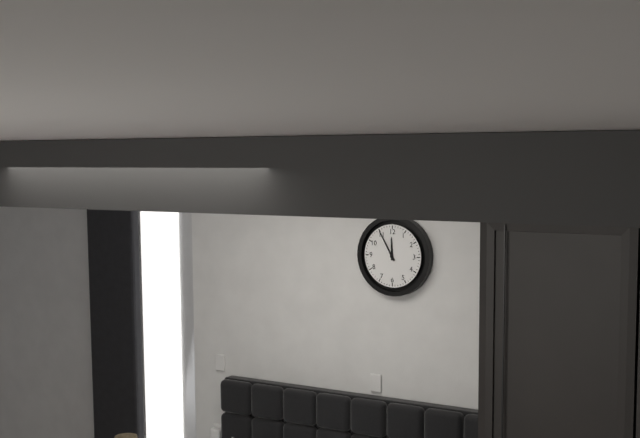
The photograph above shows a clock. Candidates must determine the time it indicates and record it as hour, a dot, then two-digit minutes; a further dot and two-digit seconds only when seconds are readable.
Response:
11.55
